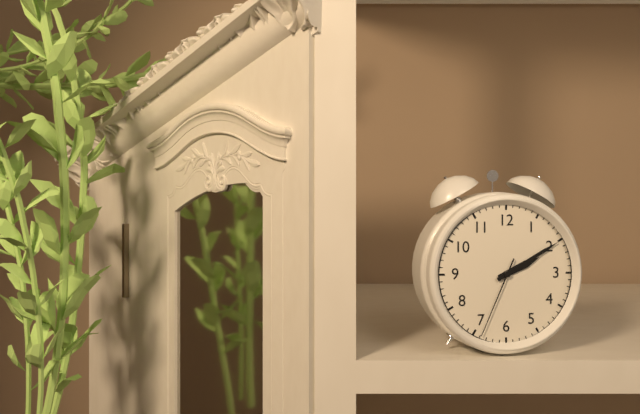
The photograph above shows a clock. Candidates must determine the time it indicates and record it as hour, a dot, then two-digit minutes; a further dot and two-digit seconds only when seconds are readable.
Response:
2.10.34
